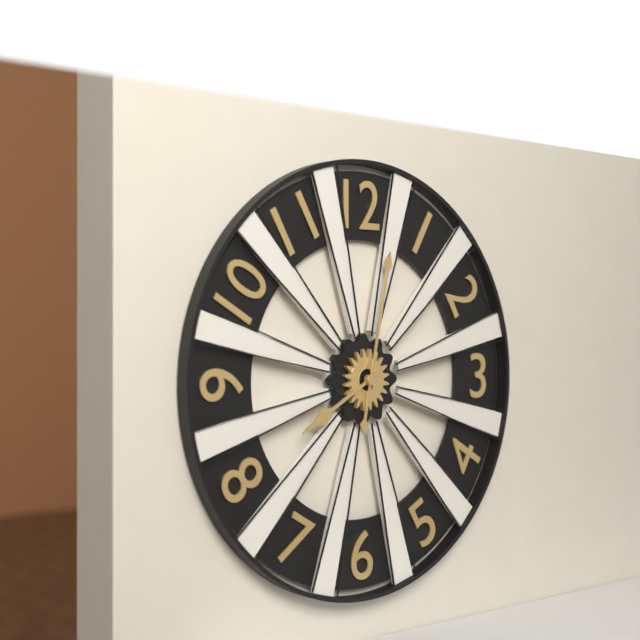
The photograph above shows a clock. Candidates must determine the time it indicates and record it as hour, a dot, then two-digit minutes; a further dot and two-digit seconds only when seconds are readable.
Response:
8.02
